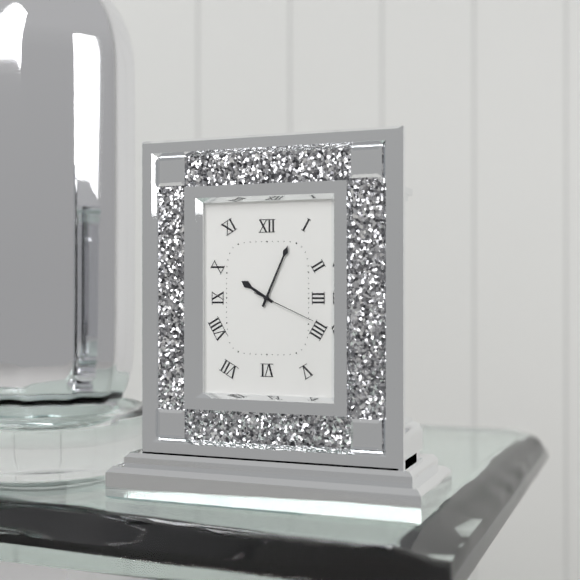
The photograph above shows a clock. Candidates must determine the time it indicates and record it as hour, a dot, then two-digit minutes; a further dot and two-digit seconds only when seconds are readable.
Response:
10.04.19
